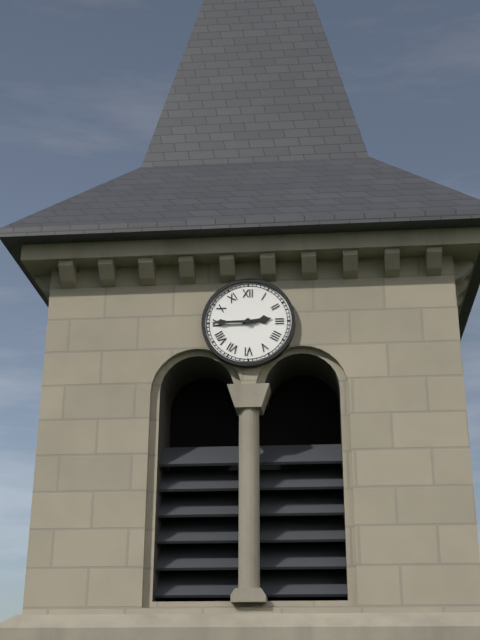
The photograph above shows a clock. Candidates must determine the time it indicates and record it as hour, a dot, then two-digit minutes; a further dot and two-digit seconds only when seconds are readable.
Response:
2.45
